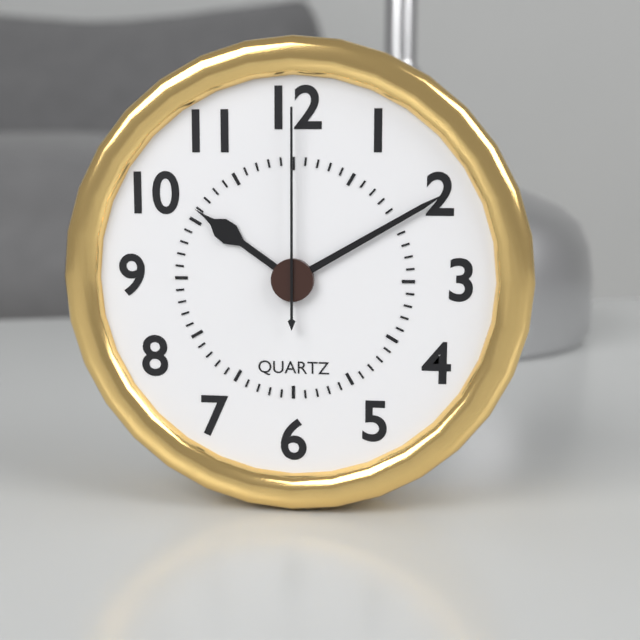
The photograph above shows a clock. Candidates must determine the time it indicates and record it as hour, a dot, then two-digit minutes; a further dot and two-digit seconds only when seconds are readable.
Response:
10.10.00
